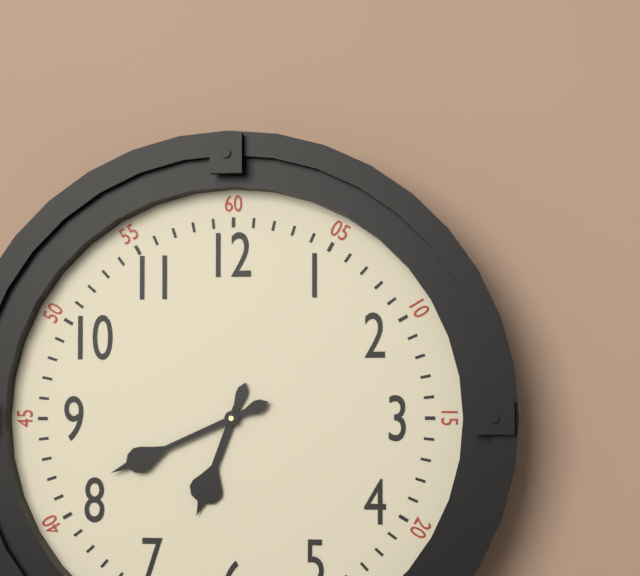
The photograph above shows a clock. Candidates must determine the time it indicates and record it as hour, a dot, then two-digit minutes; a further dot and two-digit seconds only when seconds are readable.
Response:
6.41
